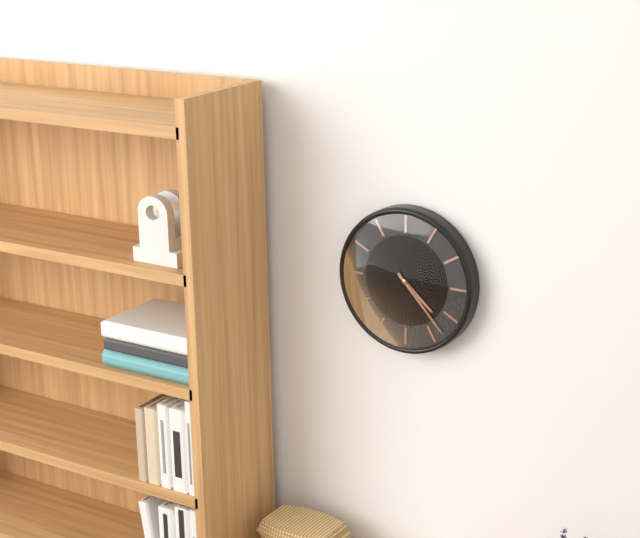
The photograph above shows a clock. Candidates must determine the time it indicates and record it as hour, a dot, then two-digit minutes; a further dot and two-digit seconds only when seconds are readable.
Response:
4.23
